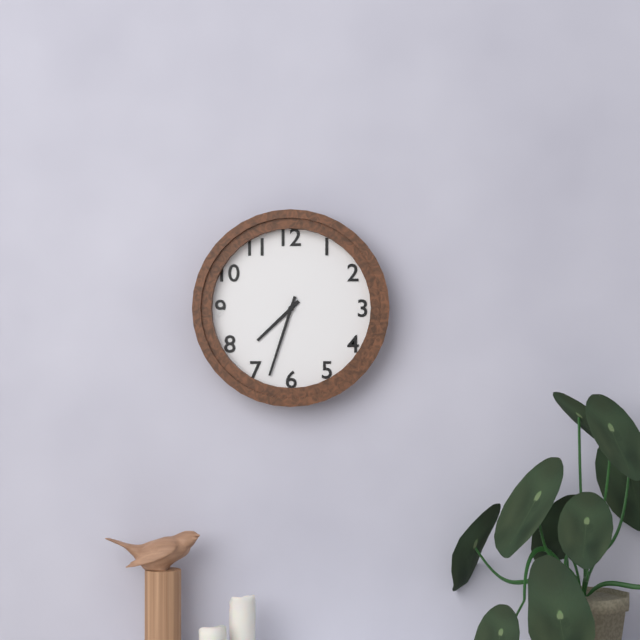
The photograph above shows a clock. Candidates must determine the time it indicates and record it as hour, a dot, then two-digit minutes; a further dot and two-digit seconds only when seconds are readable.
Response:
7.33
